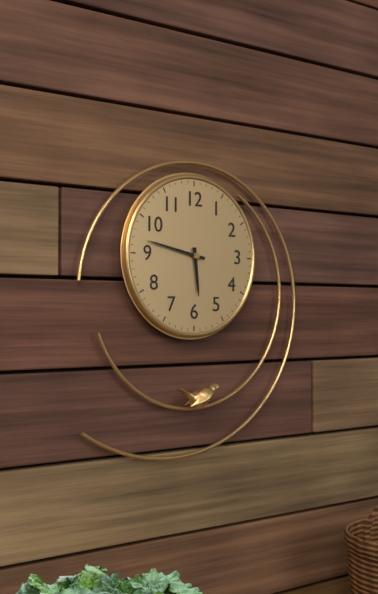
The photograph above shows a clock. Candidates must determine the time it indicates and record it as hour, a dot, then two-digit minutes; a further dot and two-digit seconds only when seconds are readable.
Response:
5.47
